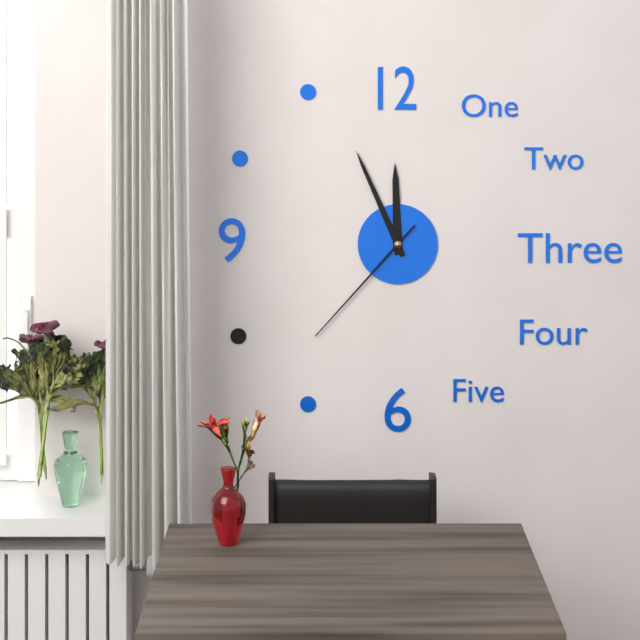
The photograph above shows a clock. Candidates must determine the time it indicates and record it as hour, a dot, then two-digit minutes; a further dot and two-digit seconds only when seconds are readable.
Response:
11.56.37
